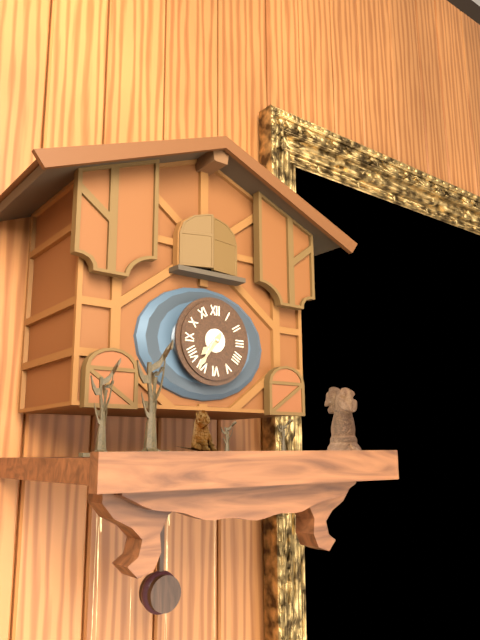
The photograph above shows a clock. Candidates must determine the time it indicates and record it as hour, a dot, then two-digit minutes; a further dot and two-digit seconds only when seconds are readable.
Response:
7.36
